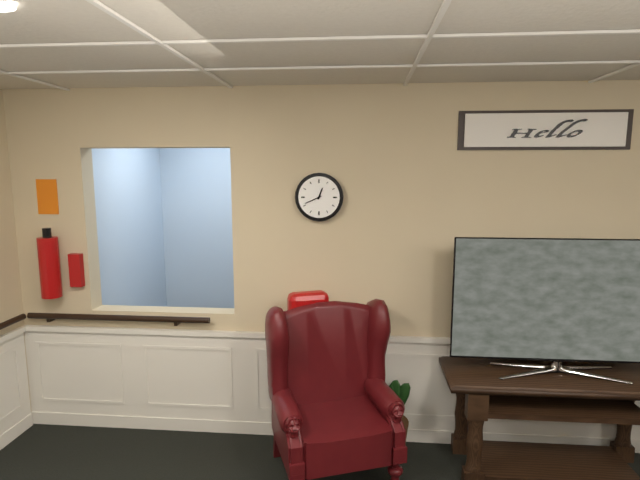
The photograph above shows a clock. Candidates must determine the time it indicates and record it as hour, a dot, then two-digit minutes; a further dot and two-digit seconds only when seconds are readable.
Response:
12.41
